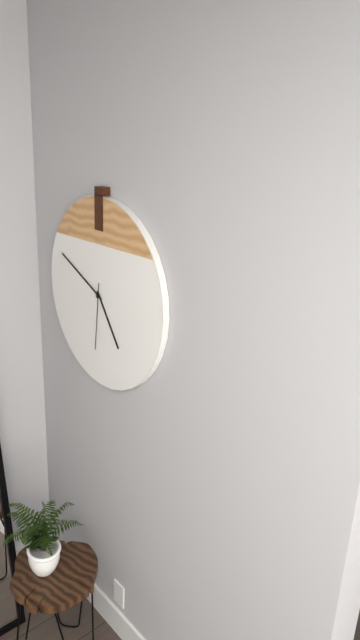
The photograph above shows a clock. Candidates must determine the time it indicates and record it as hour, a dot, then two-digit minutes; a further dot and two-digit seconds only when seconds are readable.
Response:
4.49.31
